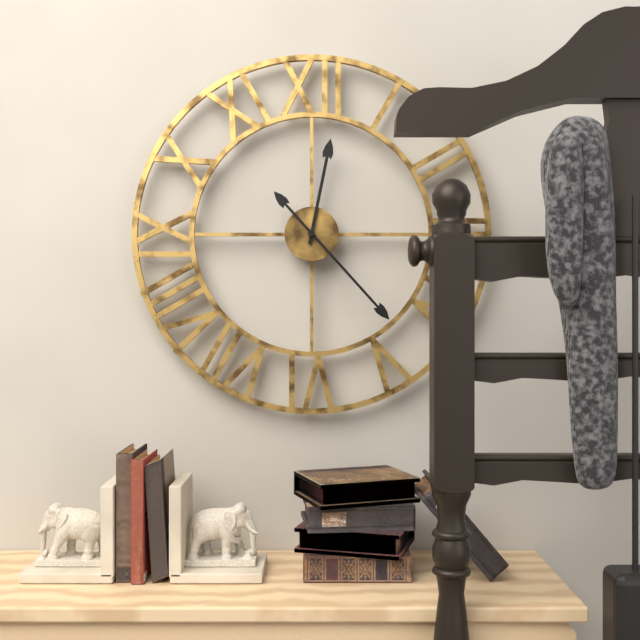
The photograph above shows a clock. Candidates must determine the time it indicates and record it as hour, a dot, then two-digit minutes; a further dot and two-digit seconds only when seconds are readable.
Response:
12.23
